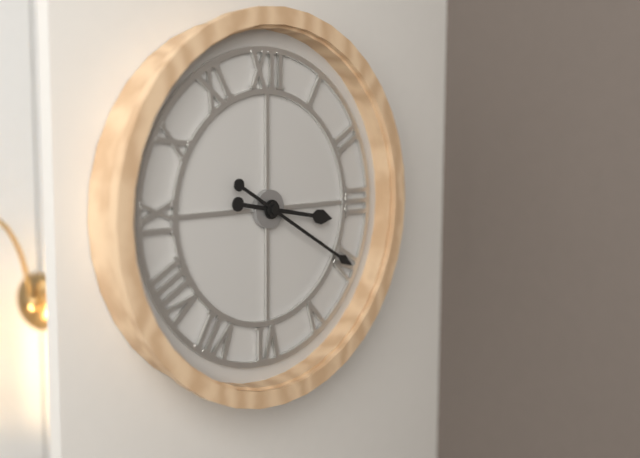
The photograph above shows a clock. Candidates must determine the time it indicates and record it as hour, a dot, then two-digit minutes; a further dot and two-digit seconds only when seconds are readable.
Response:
3.20
